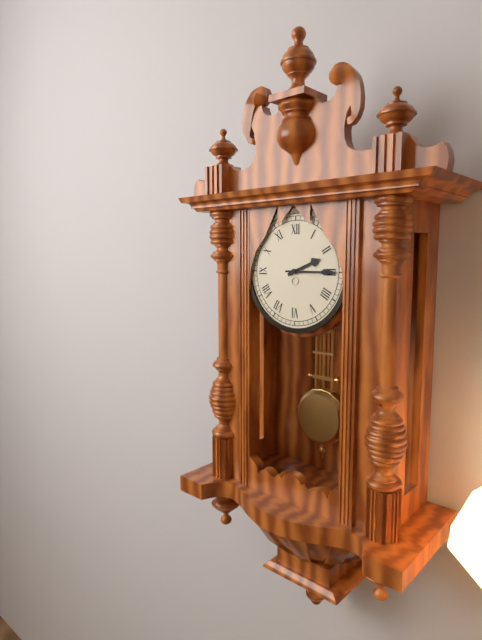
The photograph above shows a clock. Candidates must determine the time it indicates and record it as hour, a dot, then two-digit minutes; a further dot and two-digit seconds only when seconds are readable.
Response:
2.15
